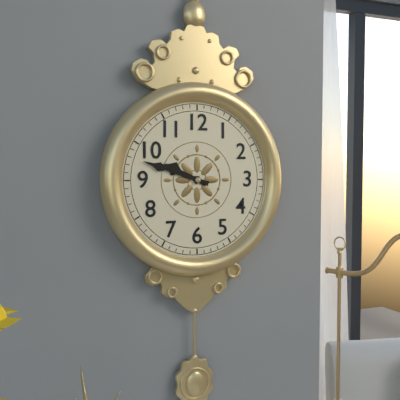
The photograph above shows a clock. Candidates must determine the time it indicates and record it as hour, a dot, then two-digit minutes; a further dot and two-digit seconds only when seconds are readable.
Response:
9.48
